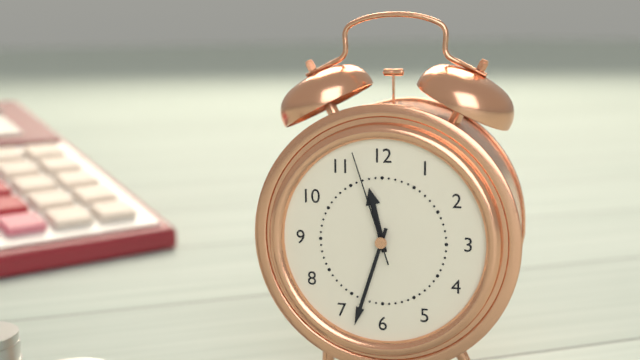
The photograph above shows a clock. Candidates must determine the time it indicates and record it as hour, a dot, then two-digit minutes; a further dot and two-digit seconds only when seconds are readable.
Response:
11.33.57
